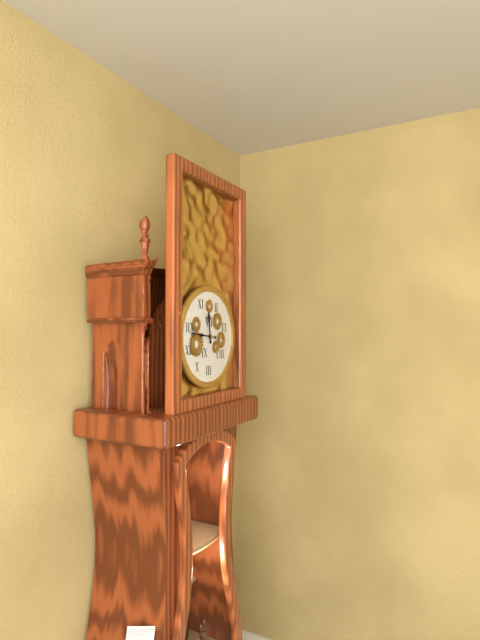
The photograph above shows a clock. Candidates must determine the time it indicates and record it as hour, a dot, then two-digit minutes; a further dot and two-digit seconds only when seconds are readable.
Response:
11.46
